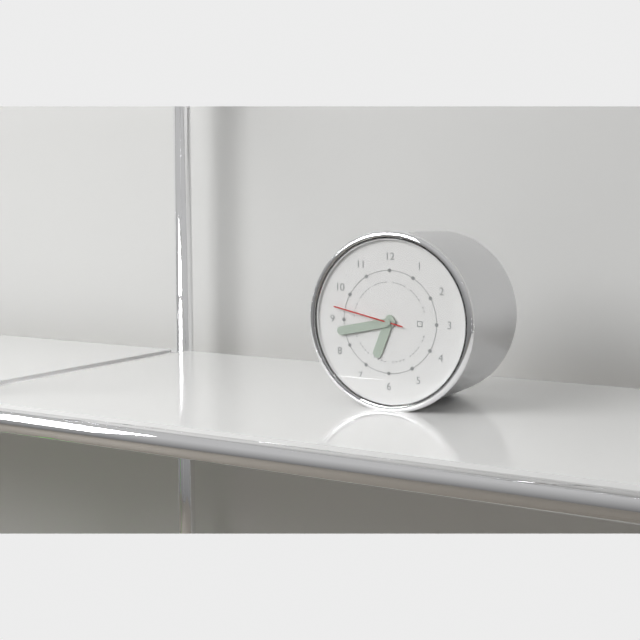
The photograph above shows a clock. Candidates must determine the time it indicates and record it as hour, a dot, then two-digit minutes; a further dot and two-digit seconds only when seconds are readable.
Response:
6.43.47
